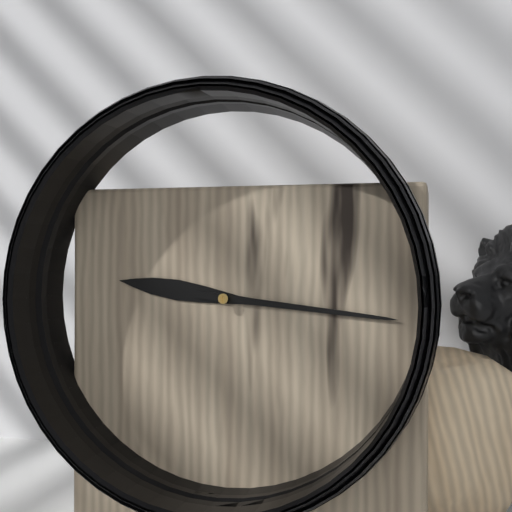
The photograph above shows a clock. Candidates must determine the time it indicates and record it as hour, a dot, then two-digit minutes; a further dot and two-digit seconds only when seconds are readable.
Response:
9.16
